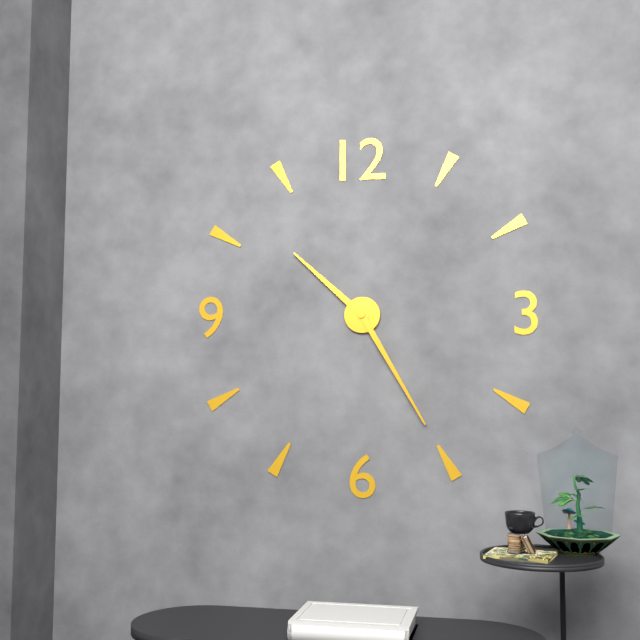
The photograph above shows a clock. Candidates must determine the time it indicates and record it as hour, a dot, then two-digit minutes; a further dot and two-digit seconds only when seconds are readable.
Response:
10.25
